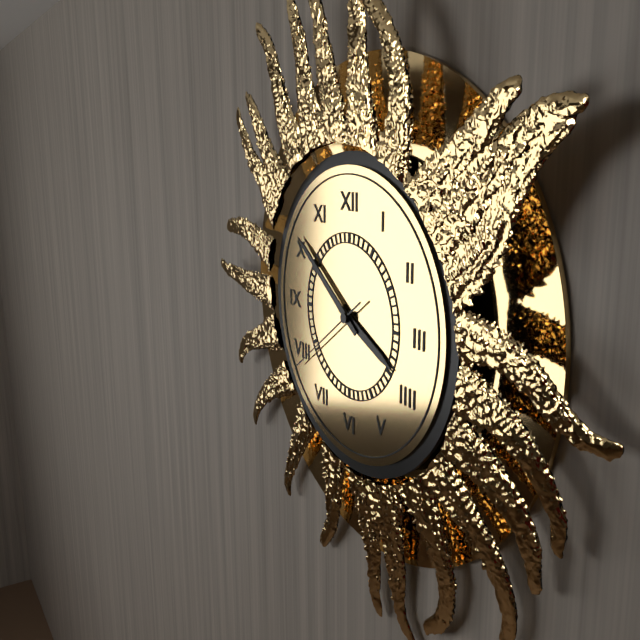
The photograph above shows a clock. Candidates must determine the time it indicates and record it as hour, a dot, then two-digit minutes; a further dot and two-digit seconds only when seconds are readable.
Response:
3.51.39
